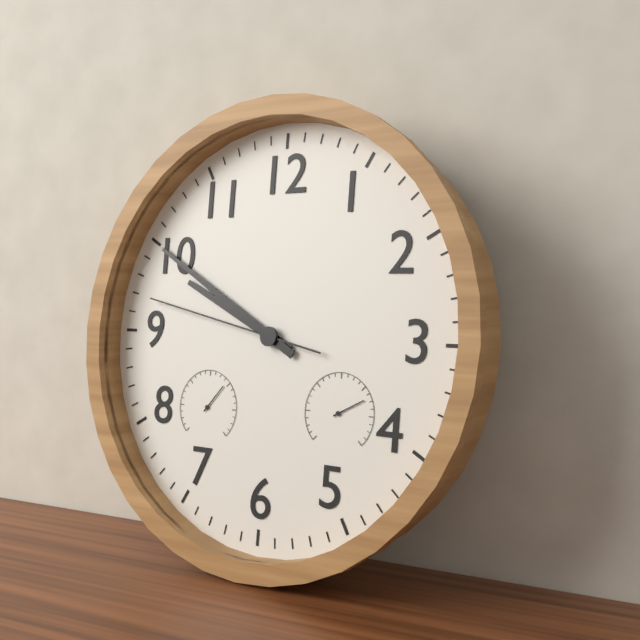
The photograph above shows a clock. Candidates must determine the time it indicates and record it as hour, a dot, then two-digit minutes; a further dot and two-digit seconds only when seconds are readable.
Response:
9.50.47
